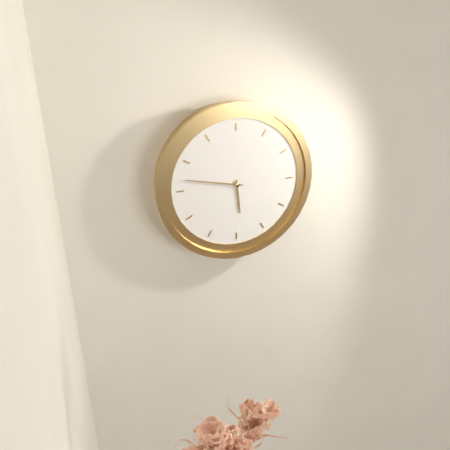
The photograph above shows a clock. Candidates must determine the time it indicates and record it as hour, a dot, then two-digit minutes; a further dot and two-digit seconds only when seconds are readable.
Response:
5.47
